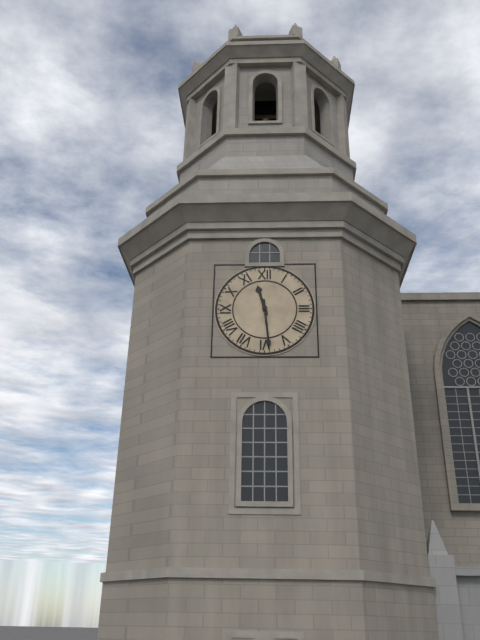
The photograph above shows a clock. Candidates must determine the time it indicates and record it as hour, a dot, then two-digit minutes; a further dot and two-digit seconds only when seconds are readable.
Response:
11.29
